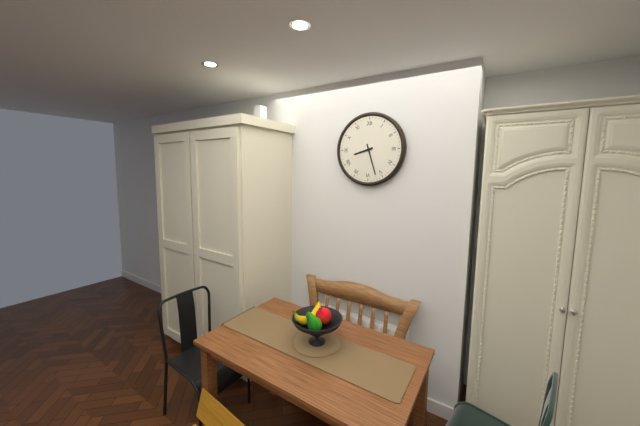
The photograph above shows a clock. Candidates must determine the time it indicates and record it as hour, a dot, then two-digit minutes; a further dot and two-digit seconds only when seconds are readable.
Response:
8.27
